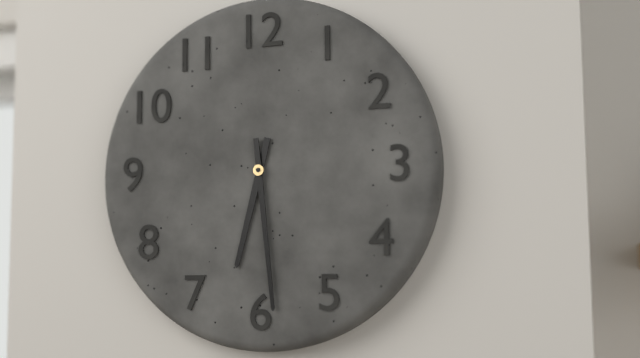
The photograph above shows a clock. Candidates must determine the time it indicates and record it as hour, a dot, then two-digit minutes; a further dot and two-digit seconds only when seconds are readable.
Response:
6.29
